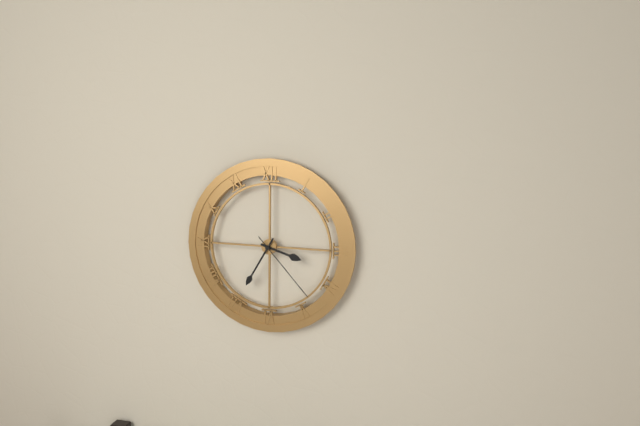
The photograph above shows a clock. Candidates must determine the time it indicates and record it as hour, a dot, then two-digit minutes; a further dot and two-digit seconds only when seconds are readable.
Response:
3.35.23
